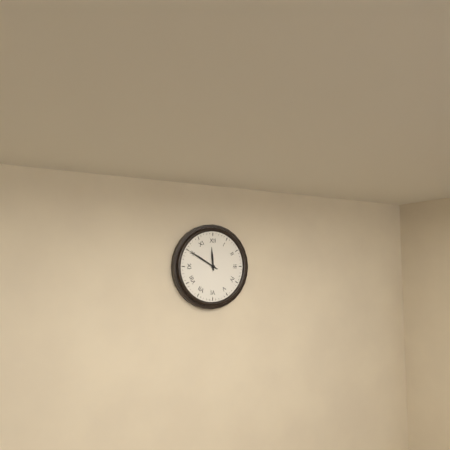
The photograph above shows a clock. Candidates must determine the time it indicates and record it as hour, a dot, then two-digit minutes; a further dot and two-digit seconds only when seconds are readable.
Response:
11.50
